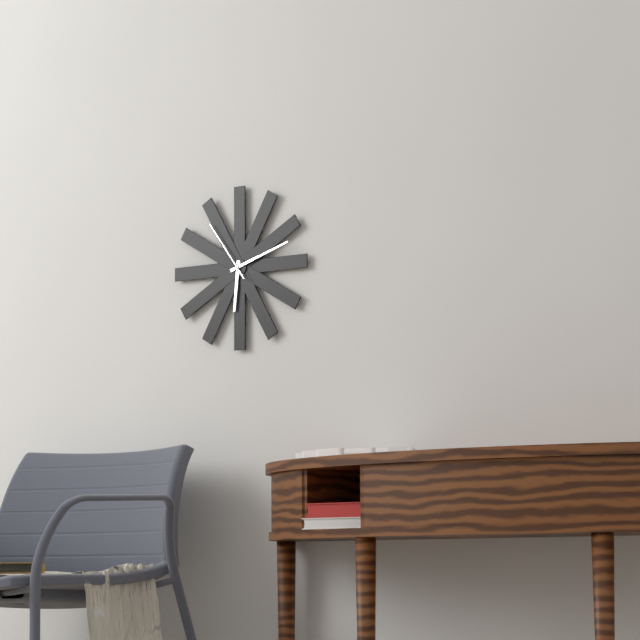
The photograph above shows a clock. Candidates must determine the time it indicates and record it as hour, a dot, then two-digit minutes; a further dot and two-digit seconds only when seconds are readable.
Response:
6.12.54
